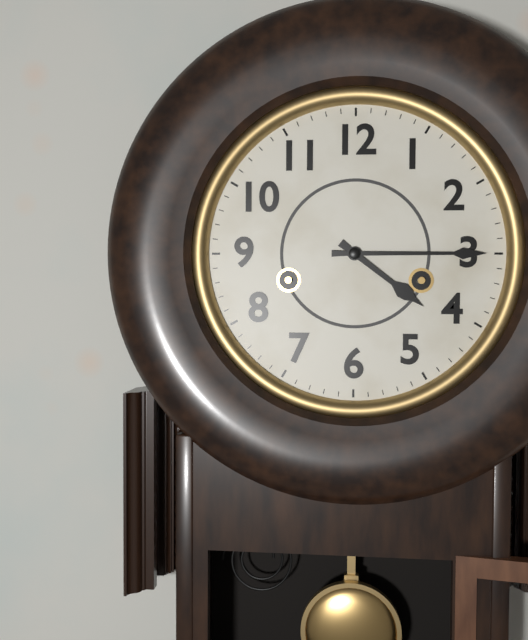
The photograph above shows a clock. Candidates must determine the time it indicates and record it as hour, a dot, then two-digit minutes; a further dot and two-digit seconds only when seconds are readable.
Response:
4.15
